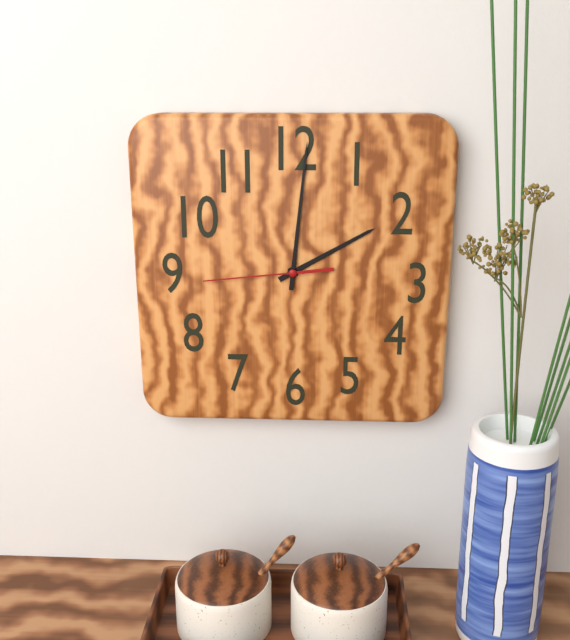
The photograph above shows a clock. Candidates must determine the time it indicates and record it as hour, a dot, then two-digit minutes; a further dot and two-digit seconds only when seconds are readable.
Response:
2.01.44
